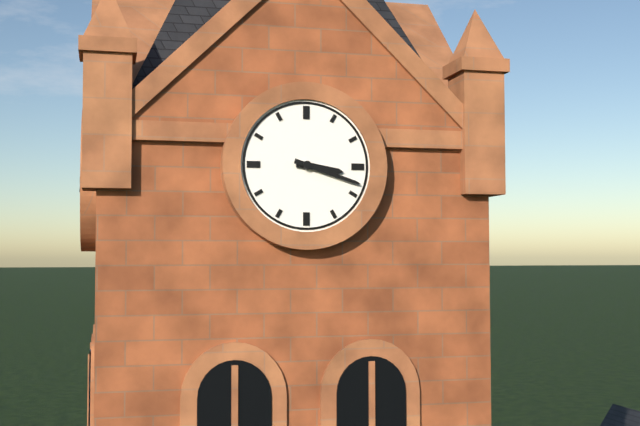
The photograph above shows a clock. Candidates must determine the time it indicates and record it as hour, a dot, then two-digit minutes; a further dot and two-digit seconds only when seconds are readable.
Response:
3.18
